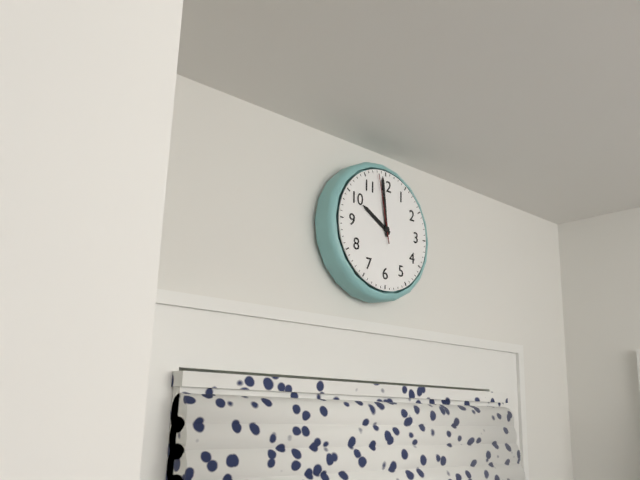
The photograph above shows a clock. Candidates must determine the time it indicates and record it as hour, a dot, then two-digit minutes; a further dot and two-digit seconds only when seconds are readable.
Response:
9.59.58
